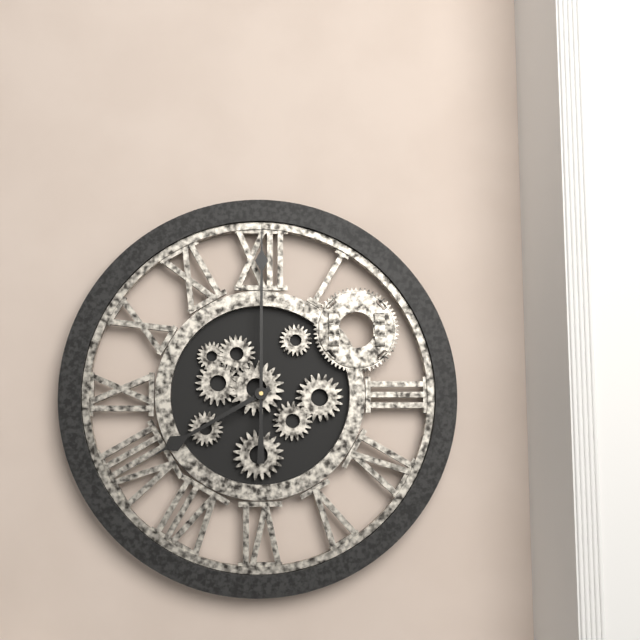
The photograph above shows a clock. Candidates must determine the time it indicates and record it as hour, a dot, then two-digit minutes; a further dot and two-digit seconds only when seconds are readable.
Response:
8.00
